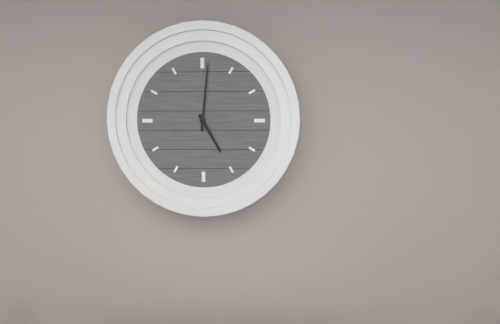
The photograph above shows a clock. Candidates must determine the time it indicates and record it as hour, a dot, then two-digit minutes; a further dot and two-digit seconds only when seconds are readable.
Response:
5.01
